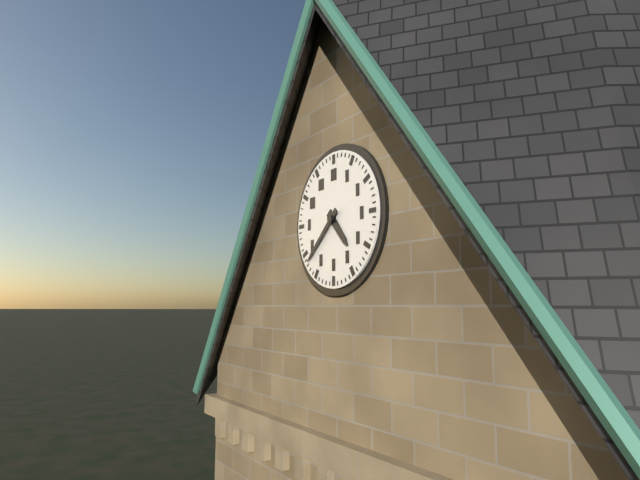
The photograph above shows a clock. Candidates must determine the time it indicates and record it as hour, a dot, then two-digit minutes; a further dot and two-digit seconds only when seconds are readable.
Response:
4.38
